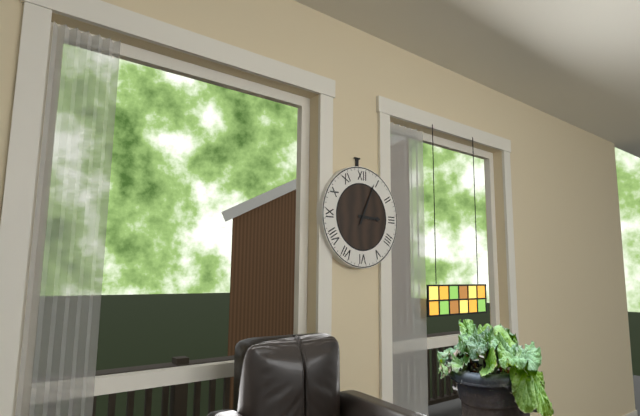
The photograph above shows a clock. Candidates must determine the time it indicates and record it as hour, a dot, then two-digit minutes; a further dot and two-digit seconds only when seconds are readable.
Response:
3.04
